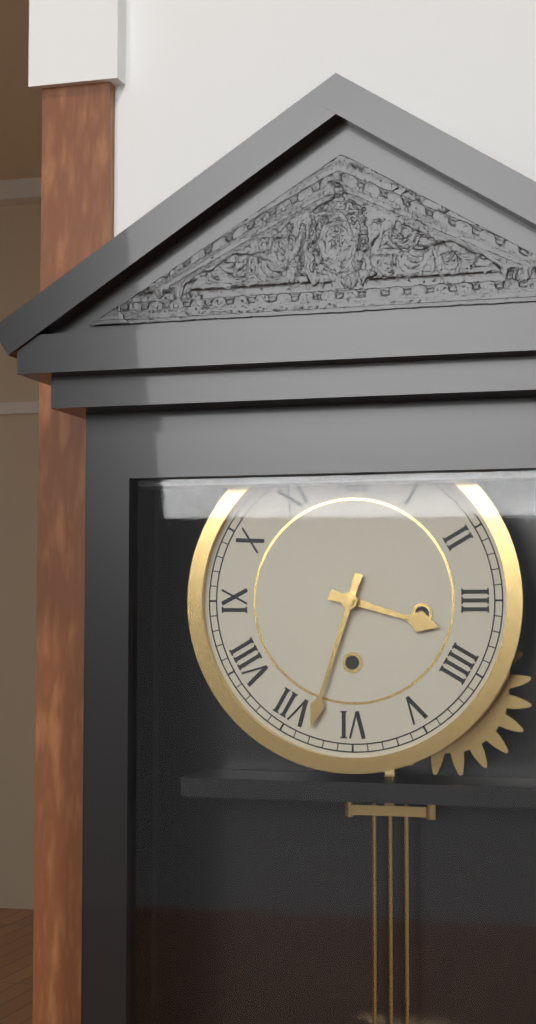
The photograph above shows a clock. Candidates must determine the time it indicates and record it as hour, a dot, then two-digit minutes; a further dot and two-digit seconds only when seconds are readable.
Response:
3.33
